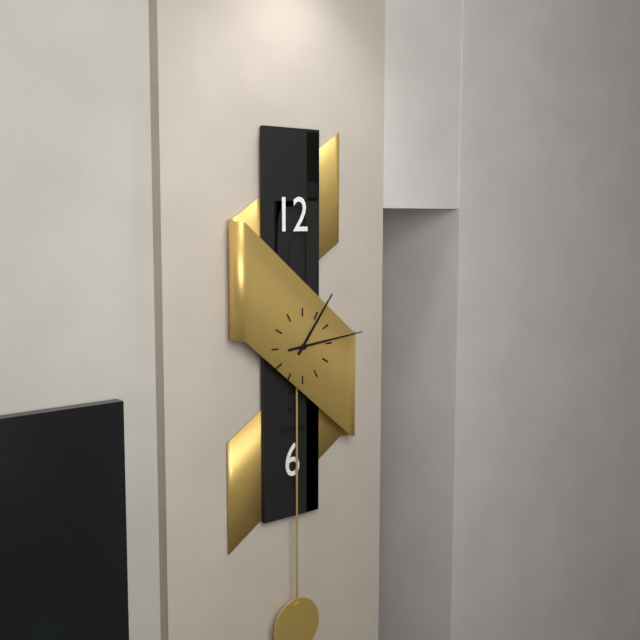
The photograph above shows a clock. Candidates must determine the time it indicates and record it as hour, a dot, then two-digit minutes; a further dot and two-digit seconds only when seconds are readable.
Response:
1.14
